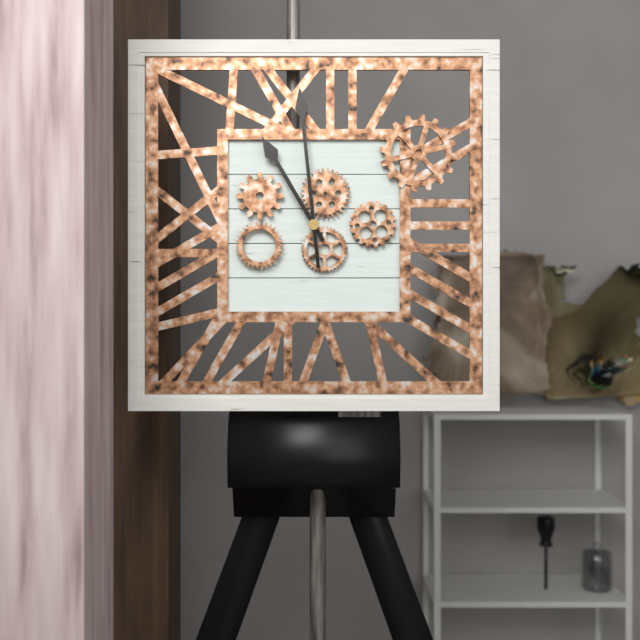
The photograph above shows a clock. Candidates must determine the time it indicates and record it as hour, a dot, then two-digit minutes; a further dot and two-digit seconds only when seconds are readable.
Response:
10.59
